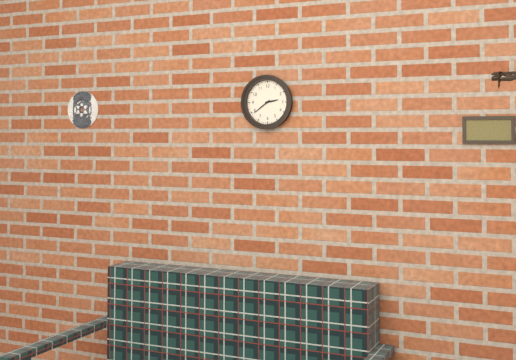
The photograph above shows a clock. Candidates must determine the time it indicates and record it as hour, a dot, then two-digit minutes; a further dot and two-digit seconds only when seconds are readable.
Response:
2.39
